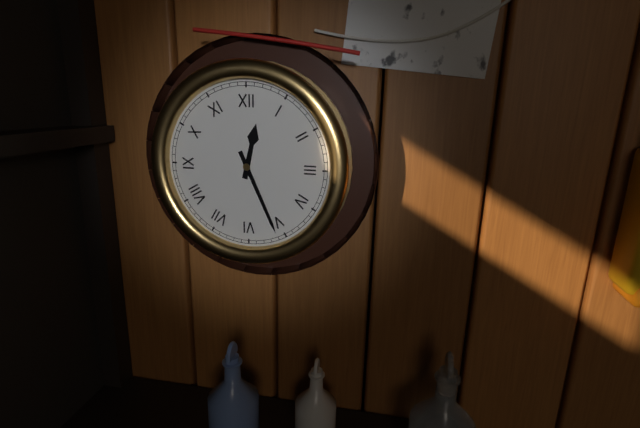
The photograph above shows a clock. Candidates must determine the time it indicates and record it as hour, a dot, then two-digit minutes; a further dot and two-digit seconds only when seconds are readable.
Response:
12.26
